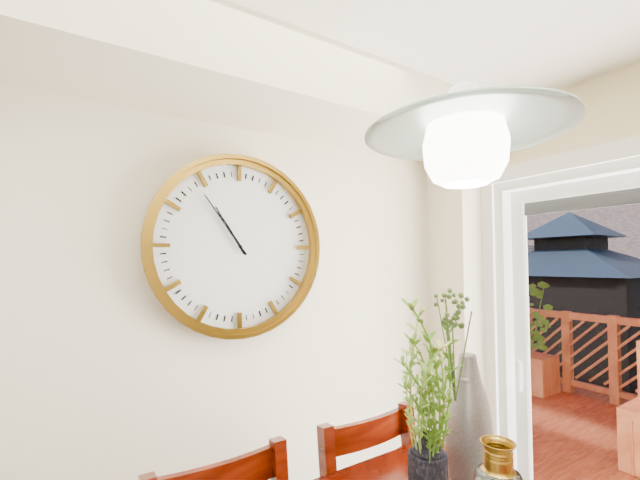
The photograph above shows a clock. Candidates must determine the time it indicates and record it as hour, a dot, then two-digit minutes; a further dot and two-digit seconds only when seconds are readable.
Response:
10.54
